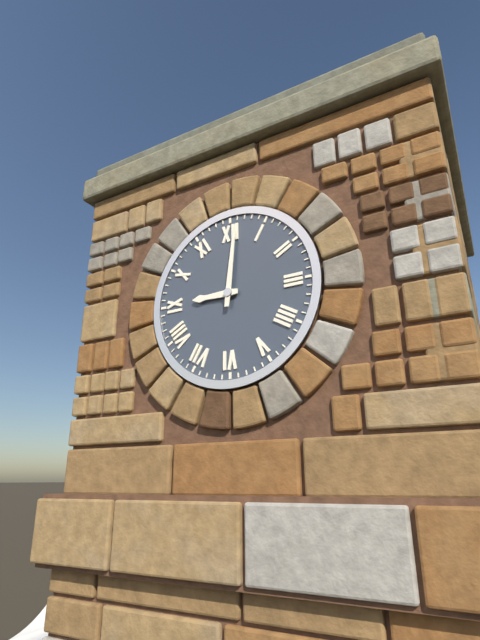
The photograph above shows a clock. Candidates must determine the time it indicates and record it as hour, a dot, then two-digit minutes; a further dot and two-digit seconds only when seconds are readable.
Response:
9.01
